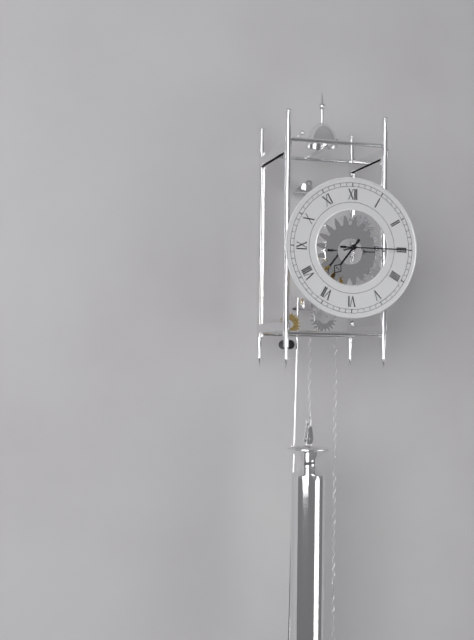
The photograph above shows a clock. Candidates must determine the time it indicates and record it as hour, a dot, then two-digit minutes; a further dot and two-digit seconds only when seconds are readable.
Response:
7.15
